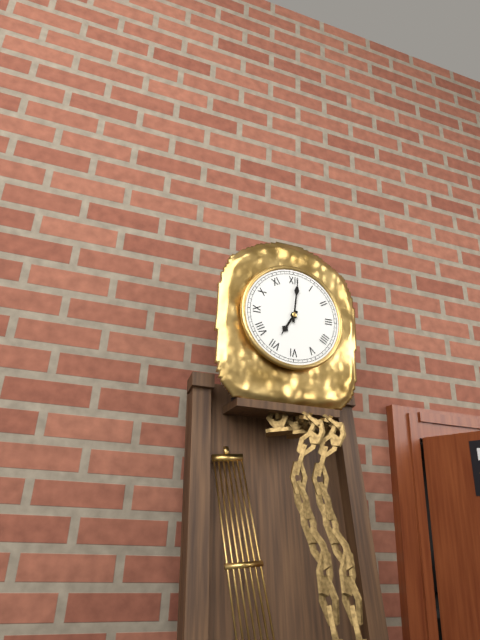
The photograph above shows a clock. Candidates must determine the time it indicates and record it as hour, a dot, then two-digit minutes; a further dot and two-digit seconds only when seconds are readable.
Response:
7.01
